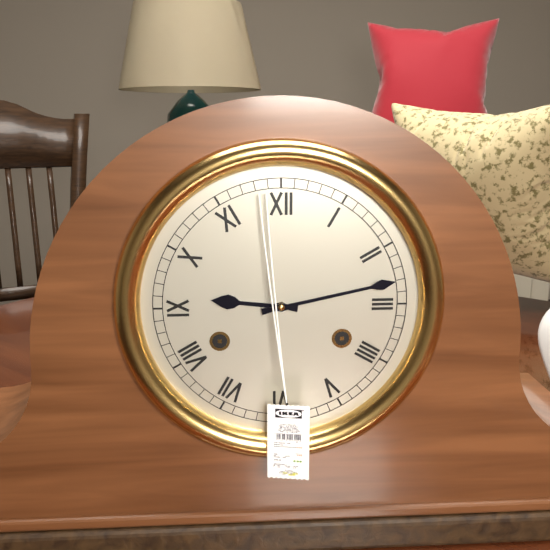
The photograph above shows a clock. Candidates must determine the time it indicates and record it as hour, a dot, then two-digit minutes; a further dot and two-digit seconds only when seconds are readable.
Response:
9.13
